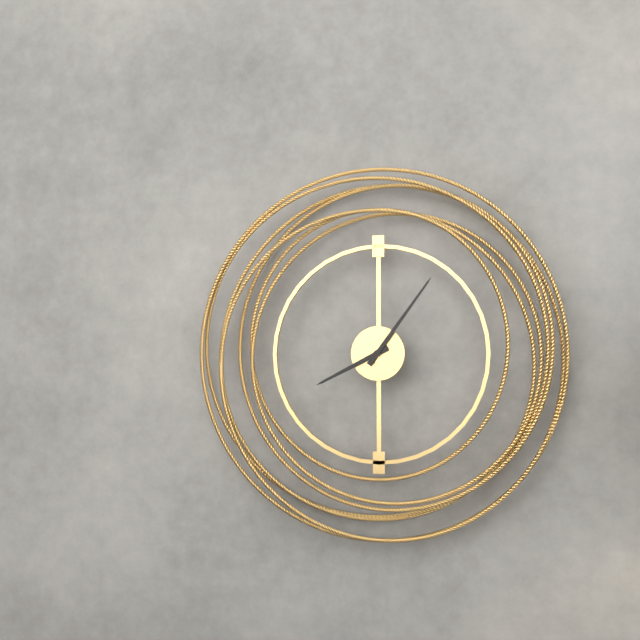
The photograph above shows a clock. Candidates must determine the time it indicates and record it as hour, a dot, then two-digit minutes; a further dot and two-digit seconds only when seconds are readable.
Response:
8.06
